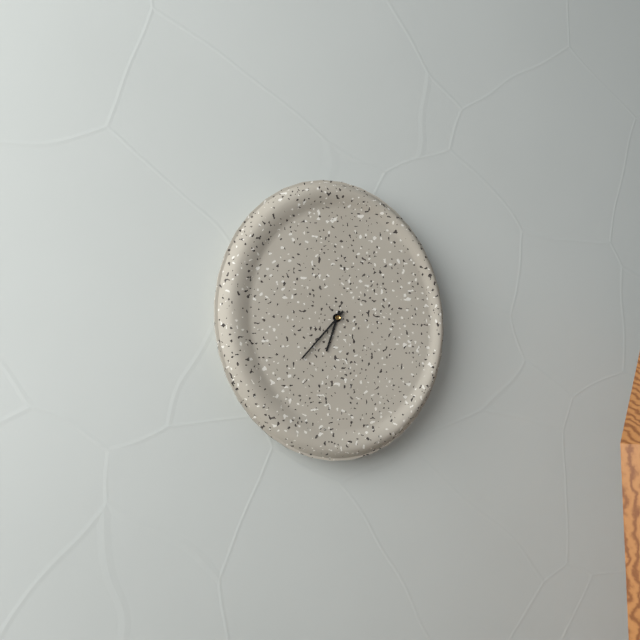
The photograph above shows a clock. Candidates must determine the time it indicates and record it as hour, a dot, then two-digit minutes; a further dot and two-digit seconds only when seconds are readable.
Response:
6.37
